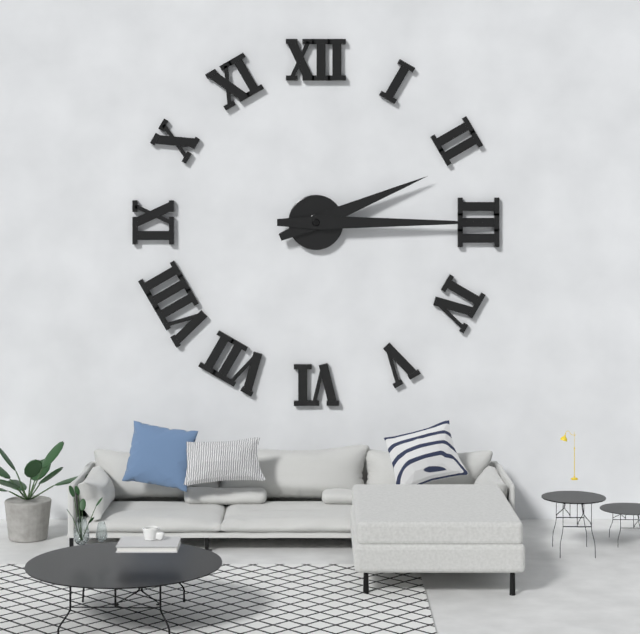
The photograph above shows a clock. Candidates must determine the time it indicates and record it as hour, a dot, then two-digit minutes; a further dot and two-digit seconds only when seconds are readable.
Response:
2.15
